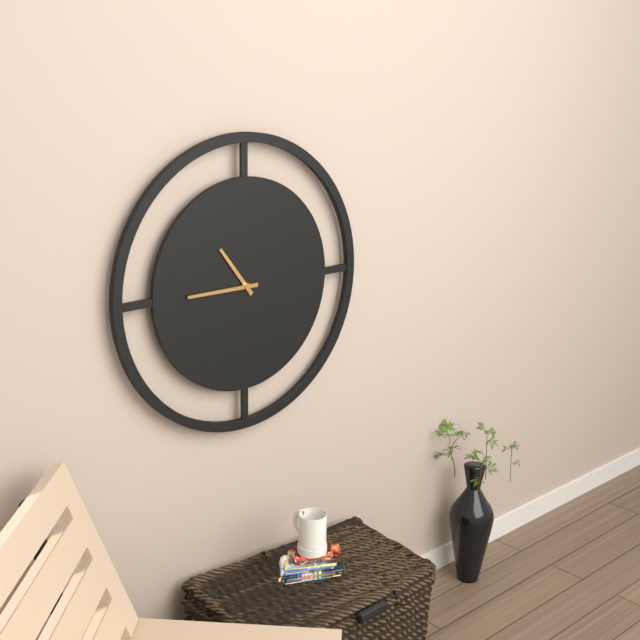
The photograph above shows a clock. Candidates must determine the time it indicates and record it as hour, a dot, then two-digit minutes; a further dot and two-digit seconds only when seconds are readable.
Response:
10.45
